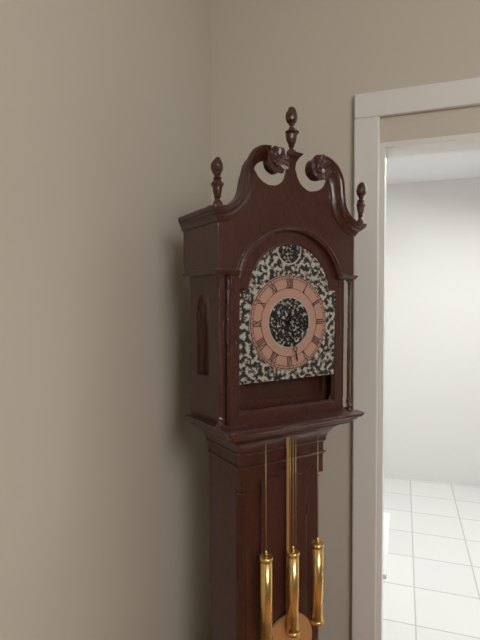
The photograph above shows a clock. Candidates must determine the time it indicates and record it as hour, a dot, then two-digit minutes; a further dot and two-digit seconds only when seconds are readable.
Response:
3.28
